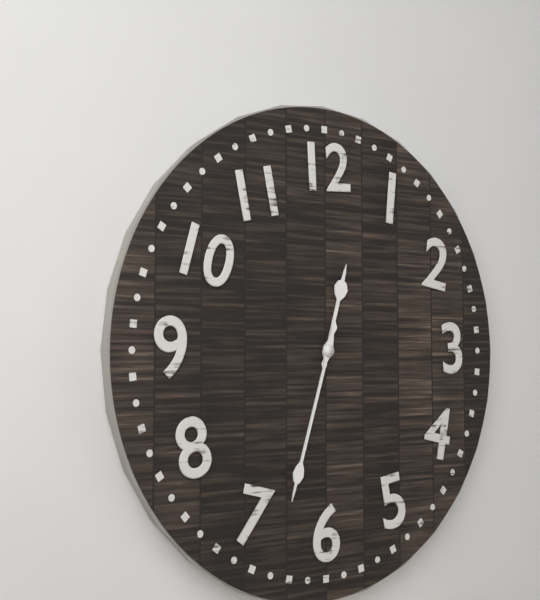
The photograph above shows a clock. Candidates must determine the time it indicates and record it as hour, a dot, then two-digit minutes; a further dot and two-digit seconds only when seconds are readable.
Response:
12.33
